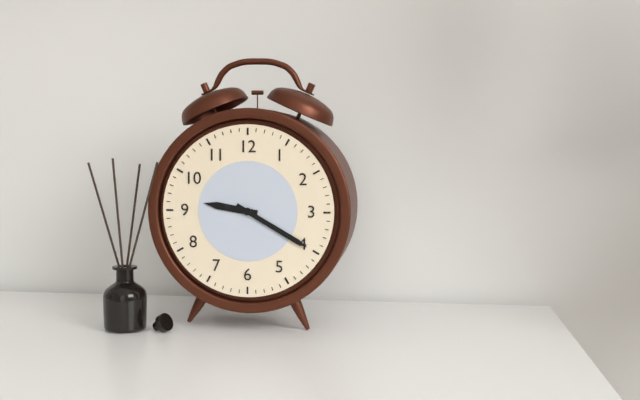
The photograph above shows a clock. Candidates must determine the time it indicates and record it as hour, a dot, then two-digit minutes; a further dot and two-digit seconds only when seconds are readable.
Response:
9.20
